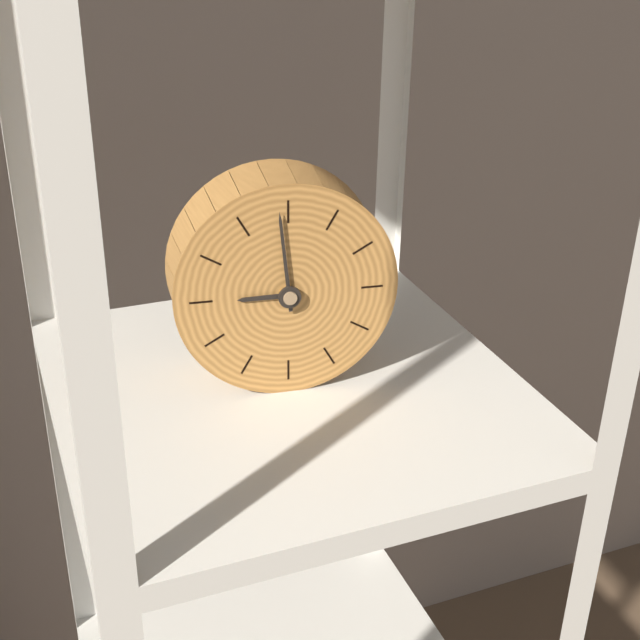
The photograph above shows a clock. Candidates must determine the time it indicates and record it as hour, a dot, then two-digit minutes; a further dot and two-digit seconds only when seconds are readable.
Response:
8.59
